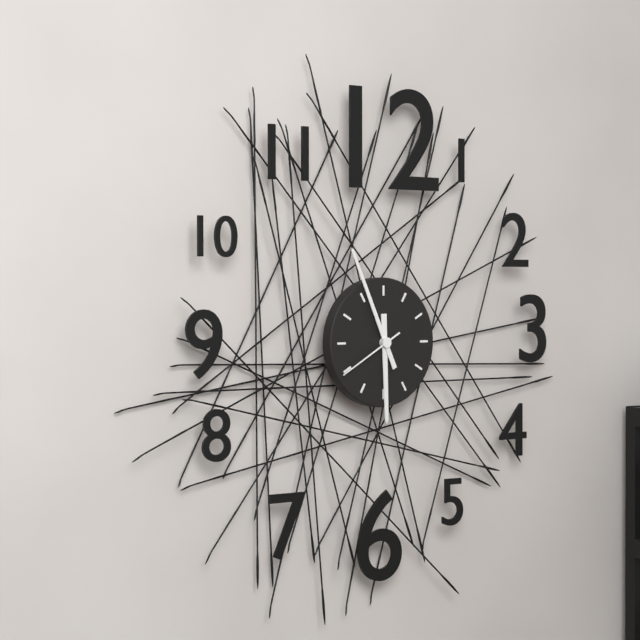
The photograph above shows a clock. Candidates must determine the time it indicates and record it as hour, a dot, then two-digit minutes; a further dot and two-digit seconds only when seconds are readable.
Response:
5.56.40
